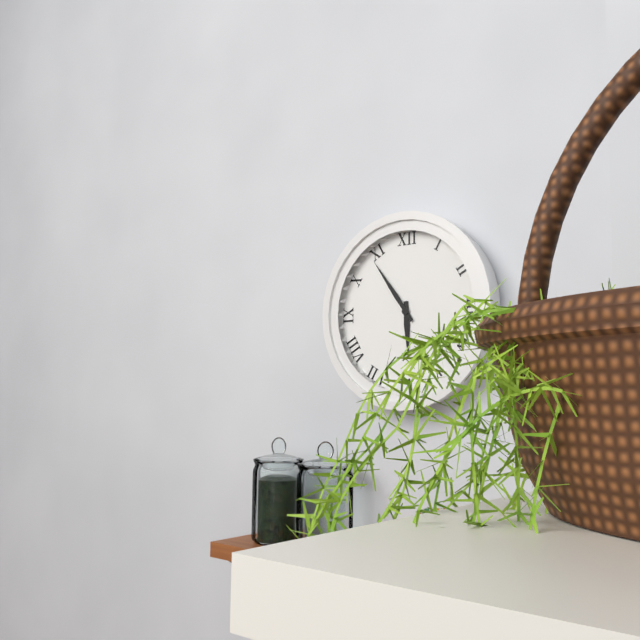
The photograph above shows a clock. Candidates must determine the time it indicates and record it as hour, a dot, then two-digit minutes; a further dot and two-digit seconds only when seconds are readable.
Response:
5.54
